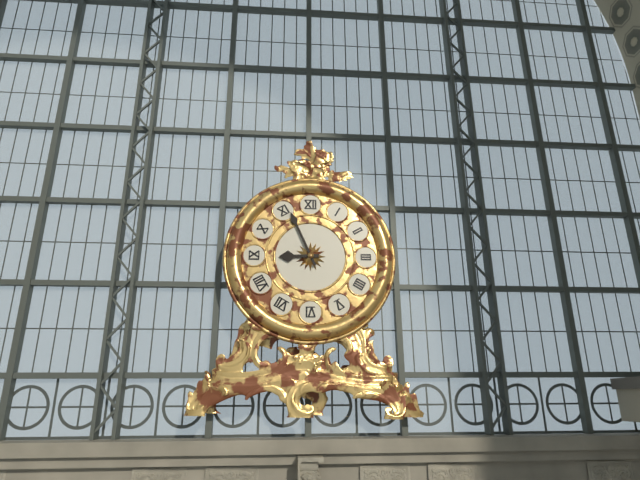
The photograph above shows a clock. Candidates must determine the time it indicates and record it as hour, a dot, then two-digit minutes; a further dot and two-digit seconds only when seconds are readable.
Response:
8.56
